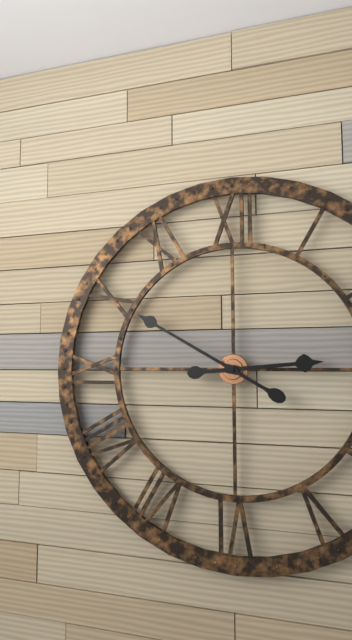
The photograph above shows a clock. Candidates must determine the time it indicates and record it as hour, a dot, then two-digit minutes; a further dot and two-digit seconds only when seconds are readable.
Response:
2.50
